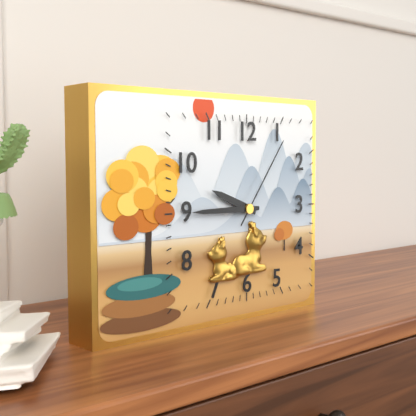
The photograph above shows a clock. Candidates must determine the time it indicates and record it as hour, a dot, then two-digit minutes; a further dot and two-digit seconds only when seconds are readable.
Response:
9.45.06
